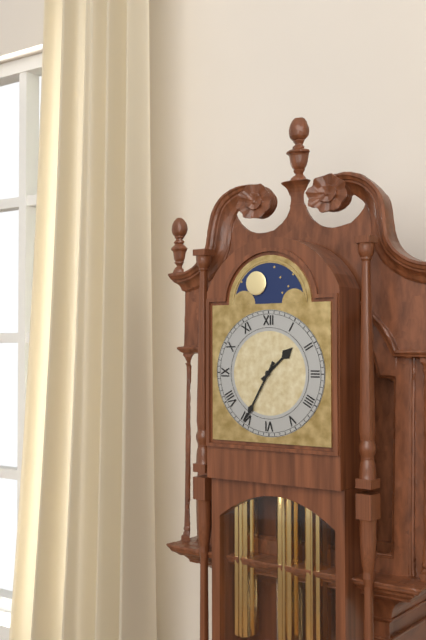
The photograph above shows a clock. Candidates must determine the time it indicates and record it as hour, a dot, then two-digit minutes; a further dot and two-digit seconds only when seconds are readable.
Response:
1.35
